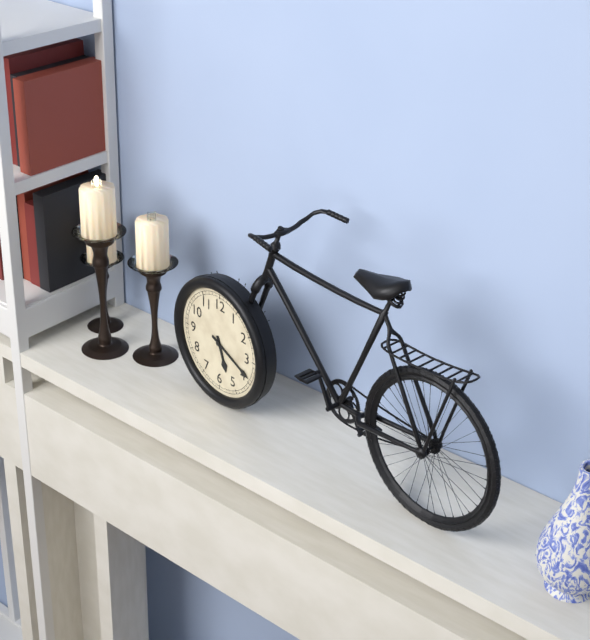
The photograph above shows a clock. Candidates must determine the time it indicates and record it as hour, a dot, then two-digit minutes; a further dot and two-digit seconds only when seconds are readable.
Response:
5.19
